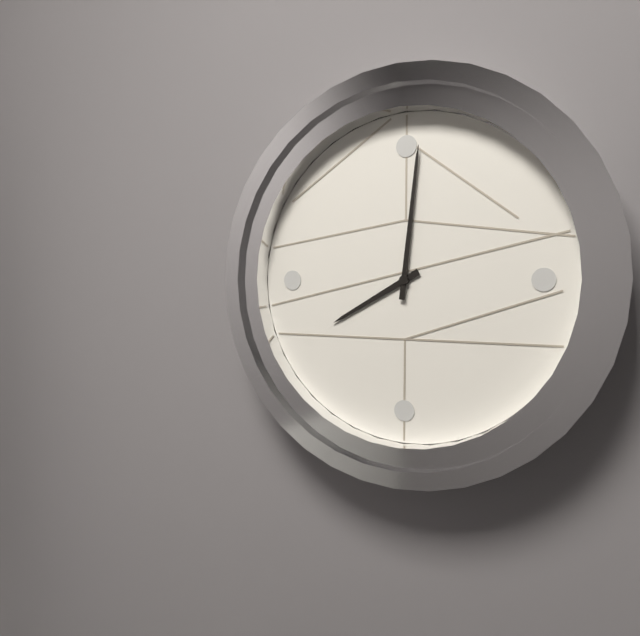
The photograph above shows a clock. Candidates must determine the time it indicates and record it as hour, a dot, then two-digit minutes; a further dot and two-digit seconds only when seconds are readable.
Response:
8.01
